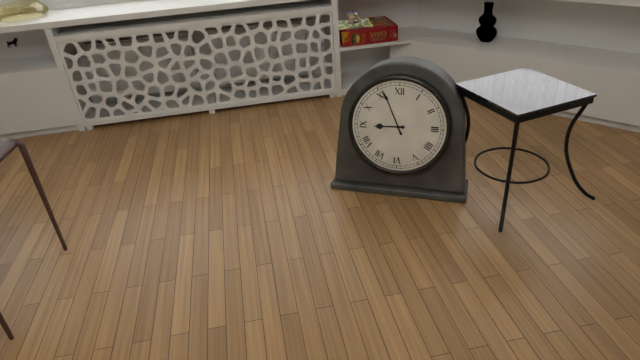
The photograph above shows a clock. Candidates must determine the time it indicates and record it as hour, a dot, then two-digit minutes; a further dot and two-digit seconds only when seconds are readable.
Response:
8.56
